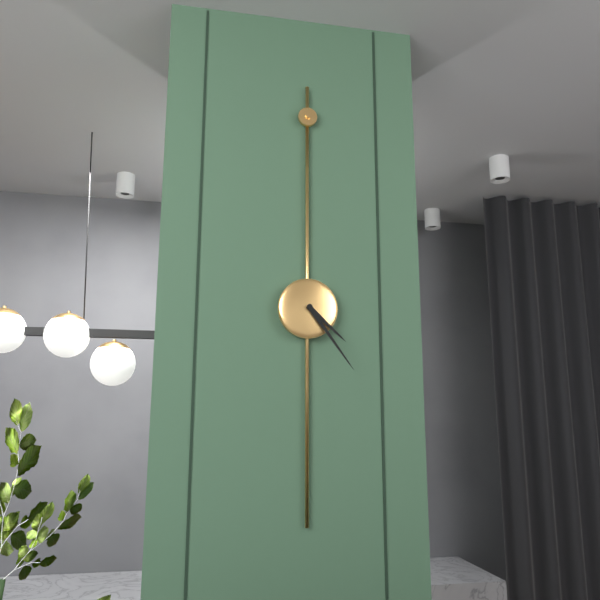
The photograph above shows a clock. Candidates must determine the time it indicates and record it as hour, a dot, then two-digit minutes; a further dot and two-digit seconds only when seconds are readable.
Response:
4.24
